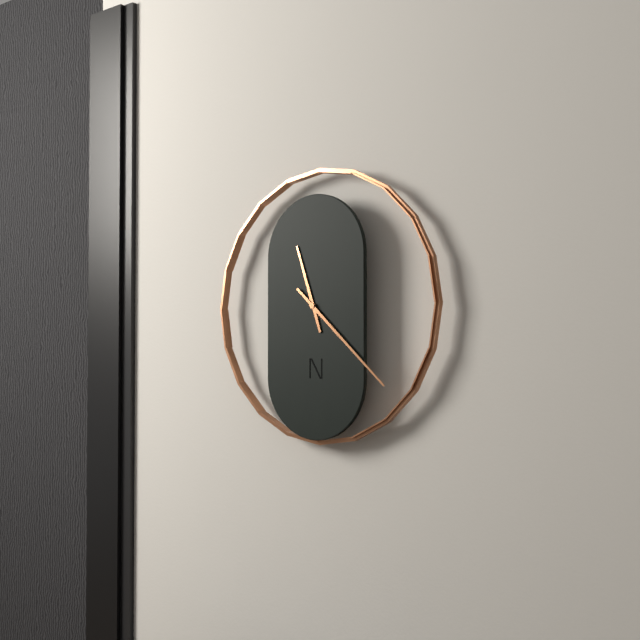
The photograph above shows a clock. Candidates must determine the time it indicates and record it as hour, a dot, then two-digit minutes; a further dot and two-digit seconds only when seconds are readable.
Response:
11.22
